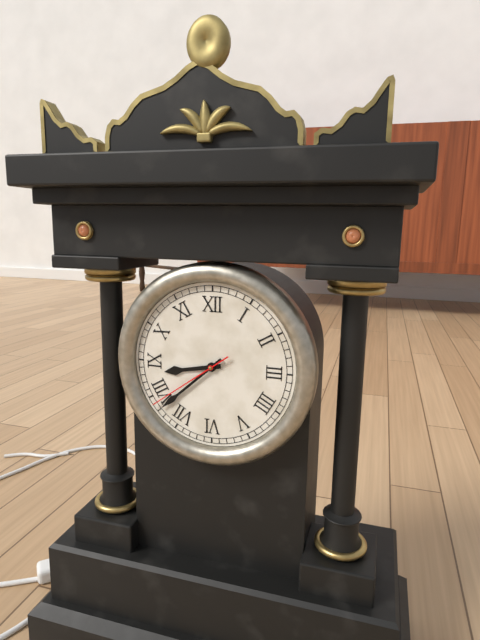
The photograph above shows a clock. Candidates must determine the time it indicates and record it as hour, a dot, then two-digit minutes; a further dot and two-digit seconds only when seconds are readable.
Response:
8.38.39
